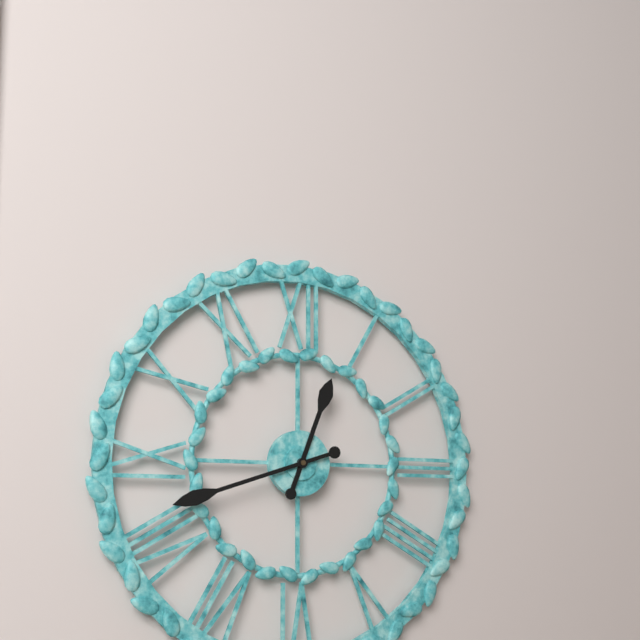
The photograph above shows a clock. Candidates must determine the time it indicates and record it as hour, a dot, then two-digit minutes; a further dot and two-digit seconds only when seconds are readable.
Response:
12.42
